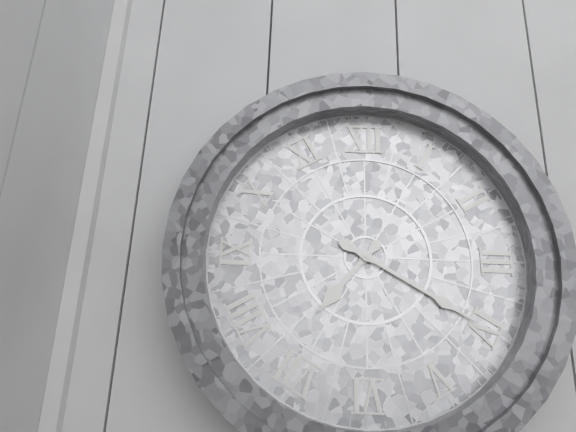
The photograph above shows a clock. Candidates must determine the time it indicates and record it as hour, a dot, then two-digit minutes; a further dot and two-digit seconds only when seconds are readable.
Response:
7.20
